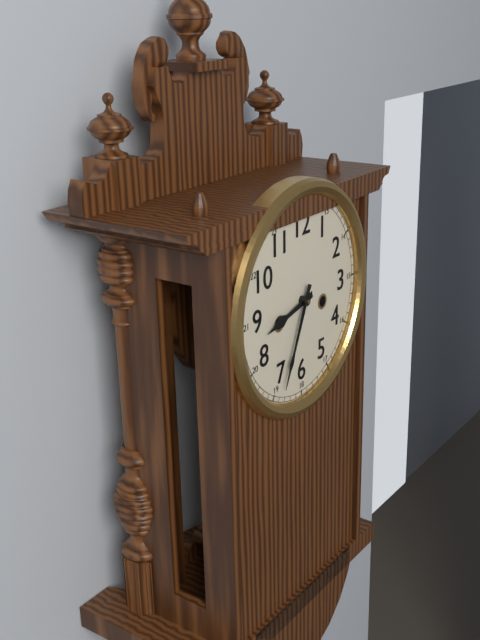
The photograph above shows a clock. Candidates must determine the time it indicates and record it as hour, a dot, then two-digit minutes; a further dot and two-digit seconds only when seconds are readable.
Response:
8.34
